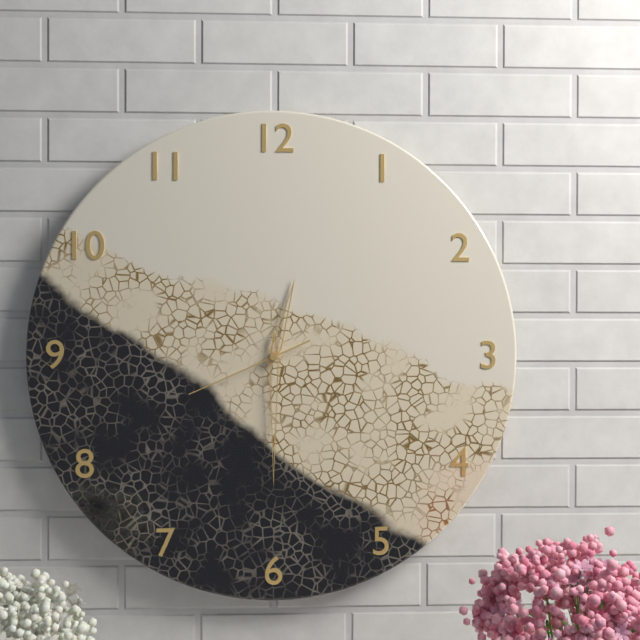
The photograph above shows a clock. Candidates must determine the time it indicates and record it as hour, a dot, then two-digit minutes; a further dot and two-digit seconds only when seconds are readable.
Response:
12.30.41
